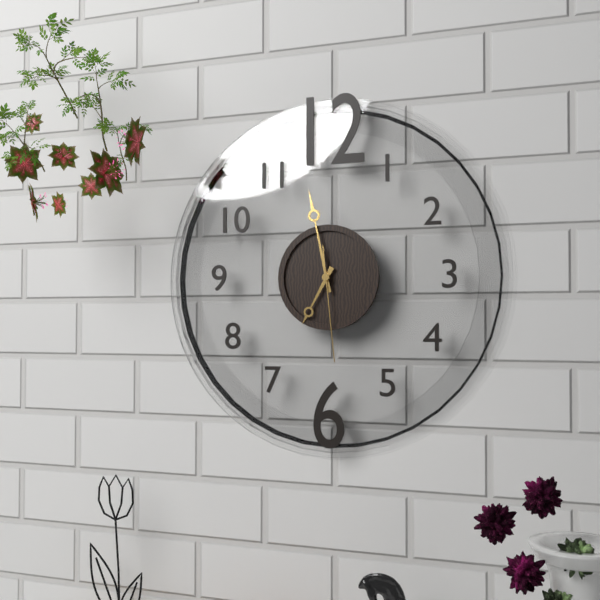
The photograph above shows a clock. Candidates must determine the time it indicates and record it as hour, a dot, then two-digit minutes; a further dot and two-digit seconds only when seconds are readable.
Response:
6.58.29
